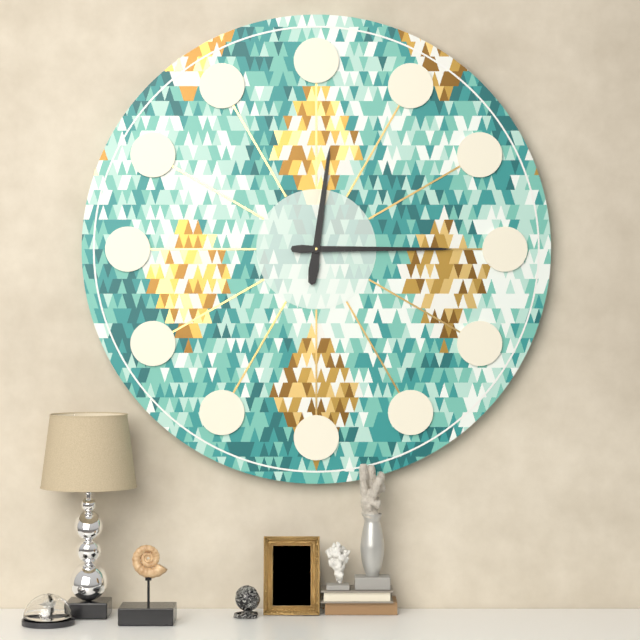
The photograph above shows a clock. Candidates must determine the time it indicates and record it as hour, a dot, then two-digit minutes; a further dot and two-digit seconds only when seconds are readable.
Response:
12.15
